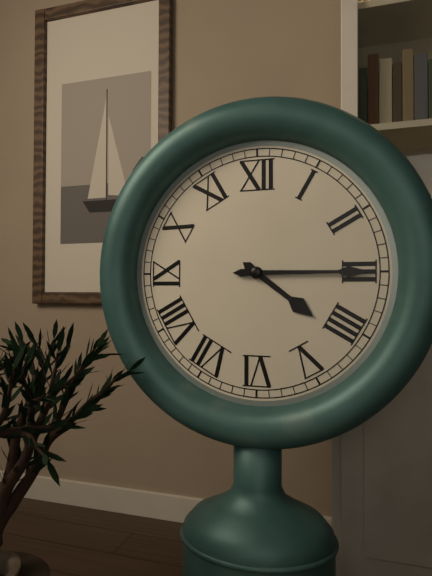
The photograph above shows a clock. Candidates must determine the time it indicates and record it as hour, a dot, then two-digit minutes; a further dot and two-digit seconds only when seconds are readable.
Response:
4.15
